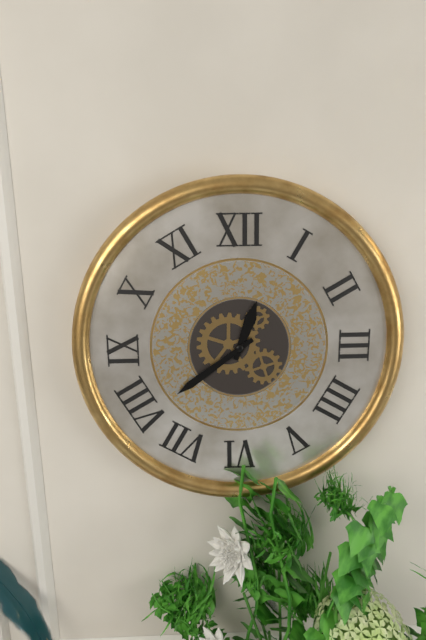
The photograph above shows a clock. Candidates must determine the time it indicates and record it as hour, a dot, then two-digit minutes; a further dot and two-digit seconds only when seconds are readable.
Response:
12.39
